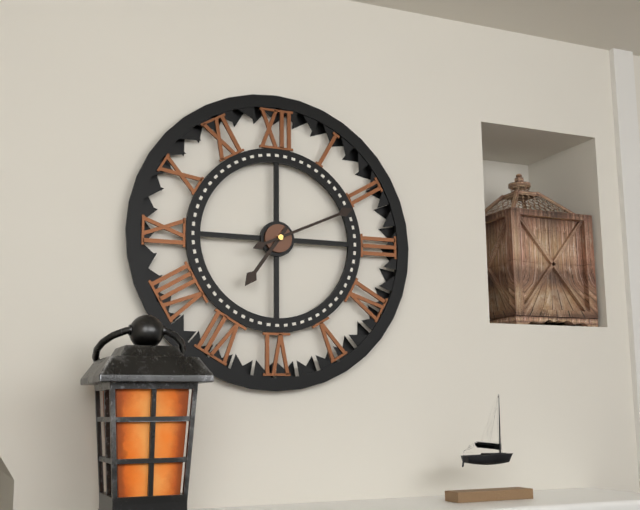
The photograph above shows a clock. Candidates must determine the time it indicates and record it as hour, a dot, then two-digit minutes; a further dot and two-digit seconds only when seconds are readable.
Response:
7.11
